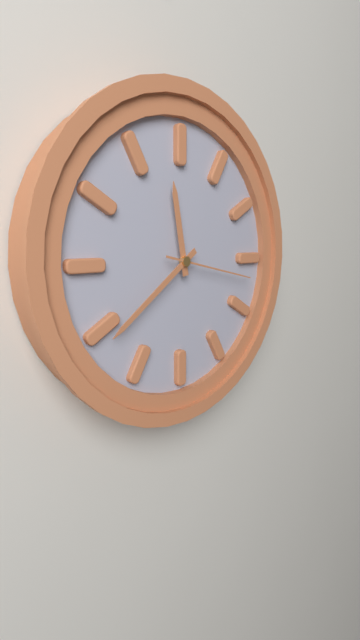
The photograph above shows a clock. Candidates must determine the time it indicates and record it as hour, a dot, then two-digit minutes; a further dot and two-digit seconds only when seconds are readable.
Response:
11.39.17
